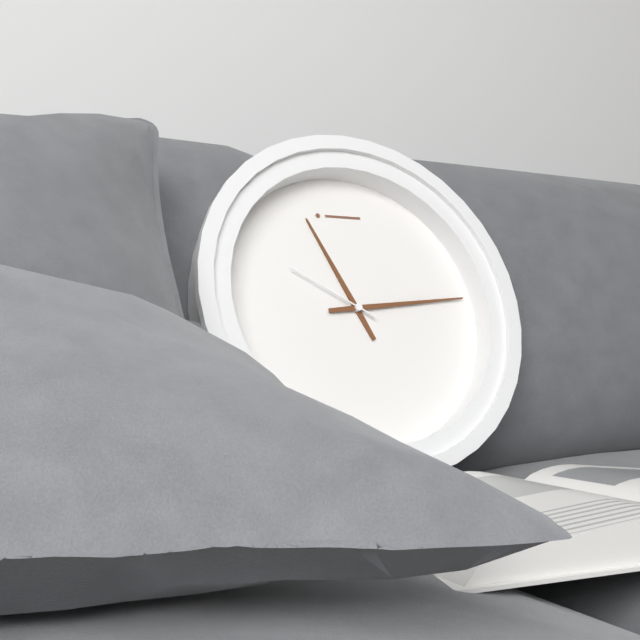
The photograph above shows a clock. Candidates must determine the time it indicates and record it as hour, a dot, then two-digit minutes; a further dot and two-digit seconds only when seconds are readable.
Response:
11.14.50
